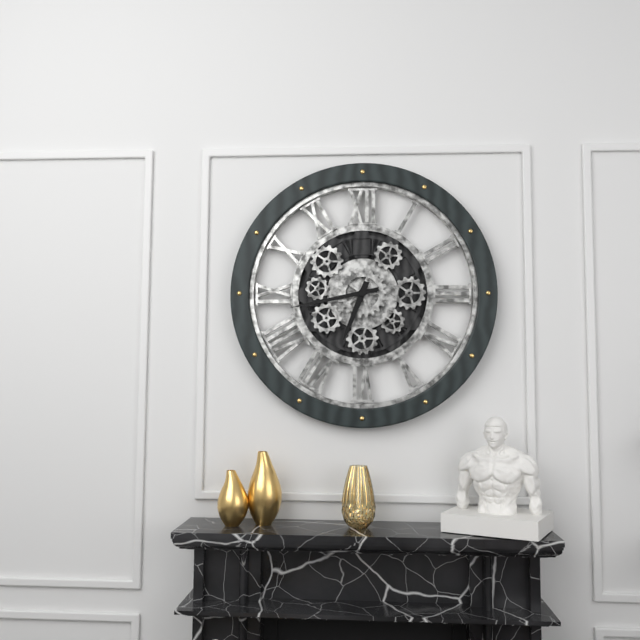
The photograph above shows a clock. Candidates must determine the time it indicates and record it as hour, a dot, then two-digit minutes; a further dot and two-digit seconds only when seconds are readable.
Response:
6.43
